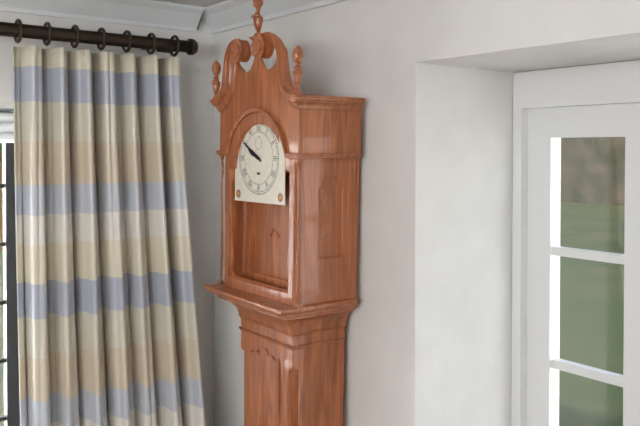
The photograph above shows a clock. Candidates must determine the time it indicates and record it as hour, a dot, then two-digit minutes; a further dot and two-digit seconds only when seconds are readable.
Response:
9.50
